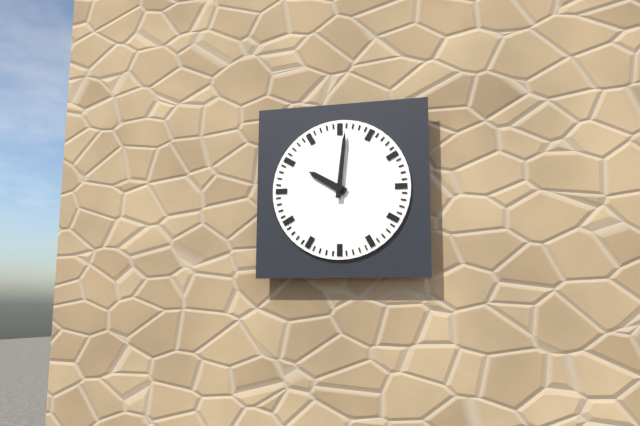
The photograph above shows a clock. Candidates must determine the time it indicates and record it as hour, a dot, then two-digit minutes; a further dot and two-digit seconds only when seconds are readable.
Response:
10.01
